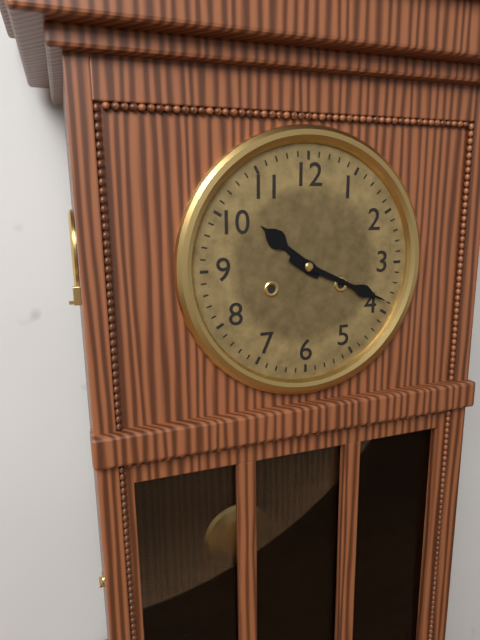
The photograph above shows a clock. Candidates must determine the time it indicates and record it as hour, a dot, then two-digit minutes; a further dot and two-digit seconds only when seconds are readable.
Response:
10.19
